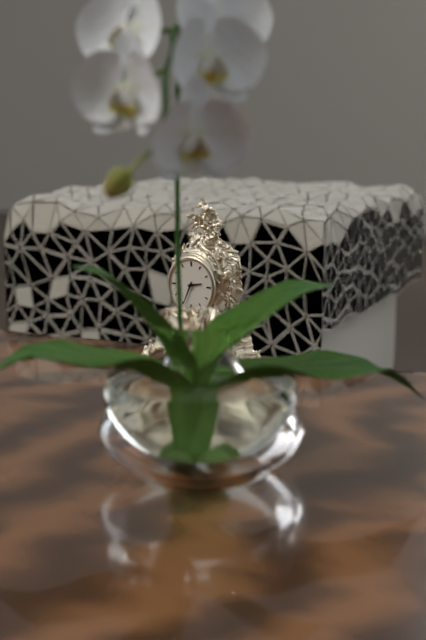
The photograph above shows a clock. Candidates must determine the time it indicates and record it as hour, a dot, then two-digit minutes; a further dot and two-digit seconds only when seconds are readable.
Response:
2.34
